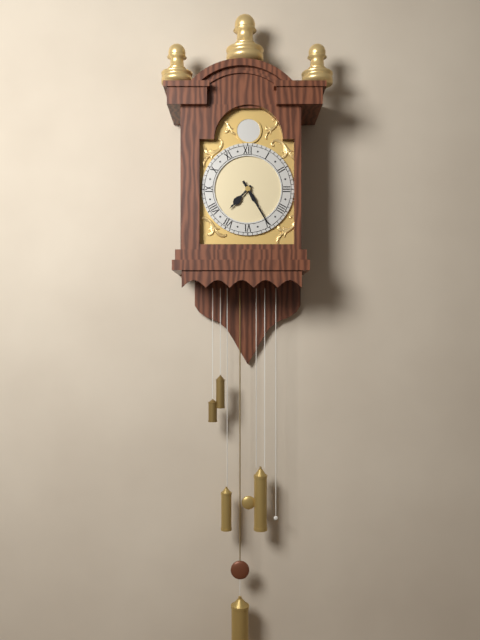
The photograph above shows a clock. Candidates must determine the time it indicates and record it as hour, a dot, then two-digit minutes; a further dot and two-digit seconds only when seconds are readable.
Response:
7.25
